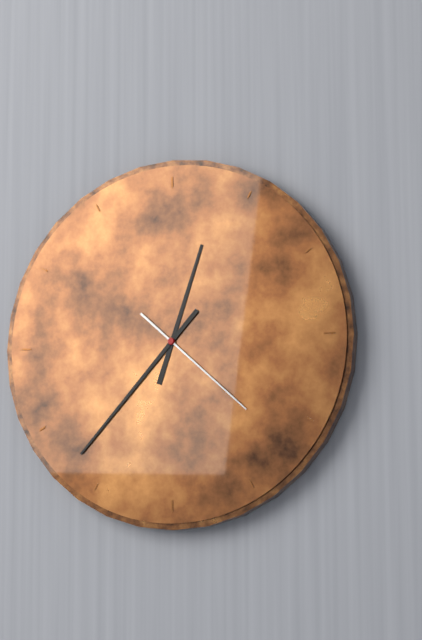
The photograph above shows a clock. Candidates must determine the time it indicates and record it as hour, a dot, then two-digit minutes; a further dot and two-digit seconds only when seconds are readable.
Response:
12.37.22
